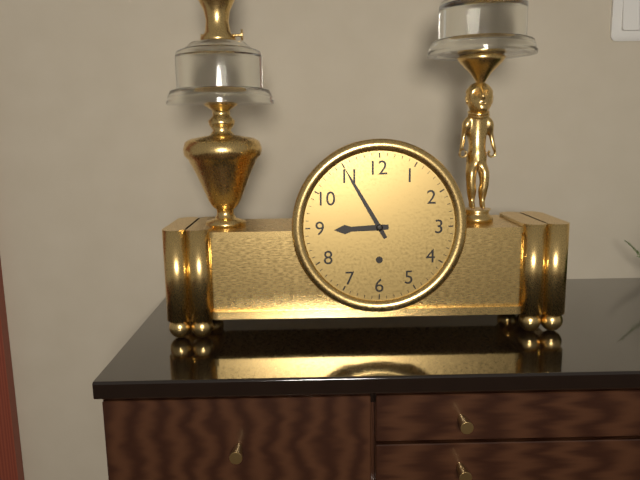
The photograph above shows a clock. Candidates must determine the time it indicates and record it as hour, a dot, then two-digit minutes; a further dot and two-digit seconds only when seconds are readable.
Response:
8.55
